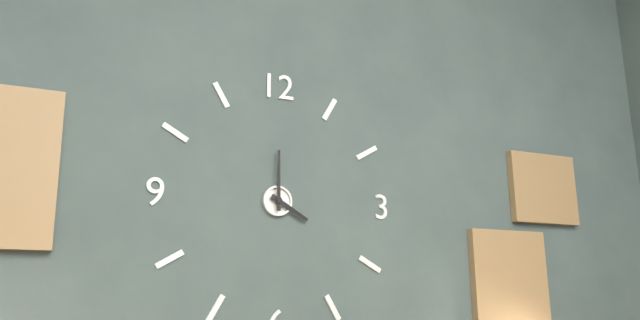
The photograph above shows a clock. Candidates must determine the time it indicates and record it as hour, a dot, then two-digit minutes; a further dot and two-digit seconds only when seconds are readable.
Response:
4.00
